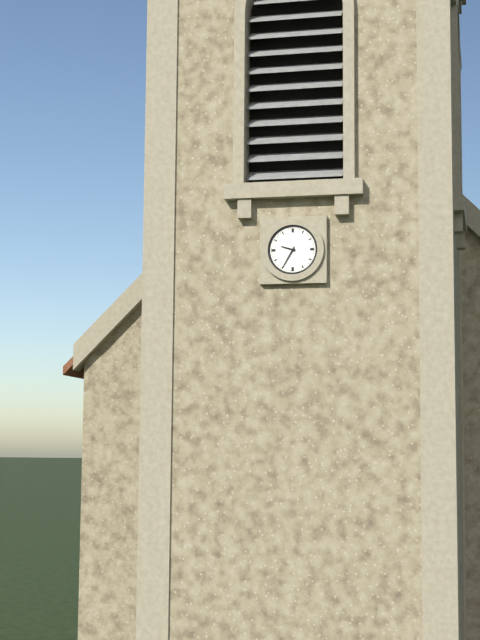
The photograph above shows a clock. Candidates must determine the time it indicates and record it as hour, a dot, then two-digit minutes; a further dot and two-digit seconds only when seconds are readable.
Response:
9.35
